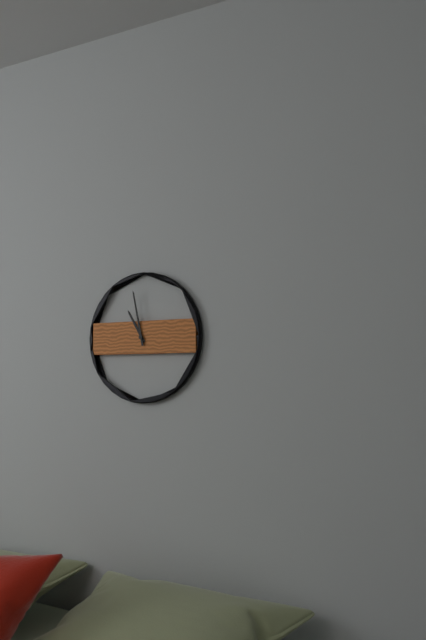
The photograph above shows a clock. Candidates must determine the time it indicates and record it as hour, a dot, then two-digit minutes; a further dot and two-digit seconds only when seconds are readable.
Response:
10.58
